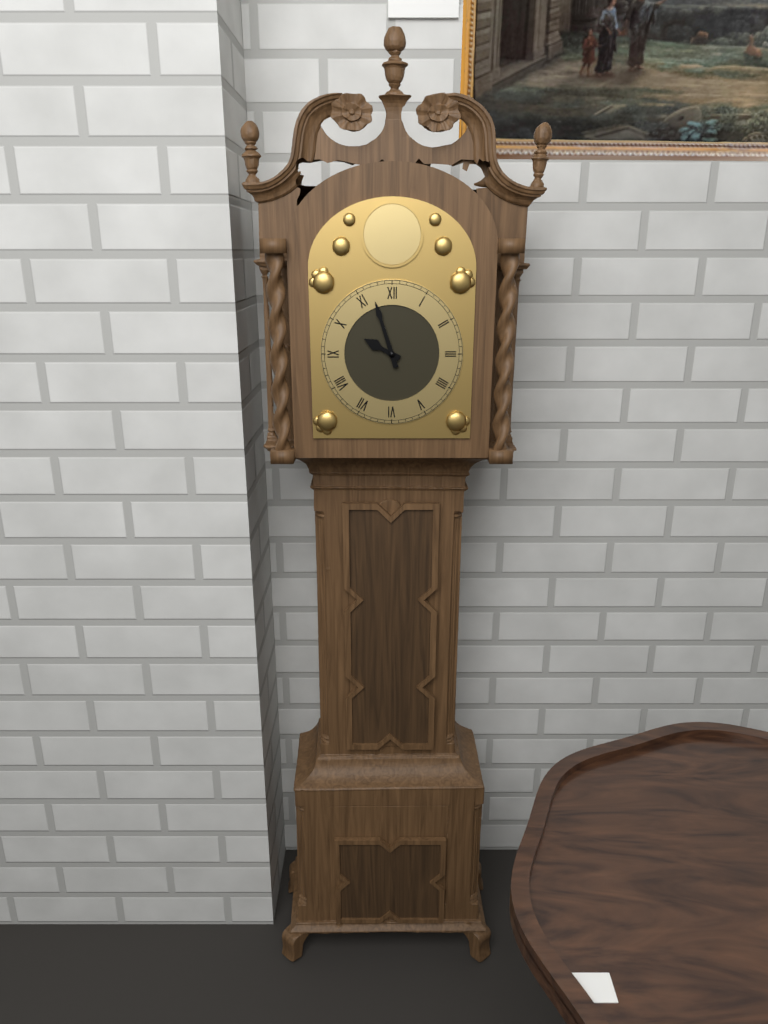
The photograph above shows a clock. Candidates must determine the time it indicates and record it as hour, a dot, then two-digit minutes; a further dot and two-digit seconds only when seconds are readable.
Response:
9.57
